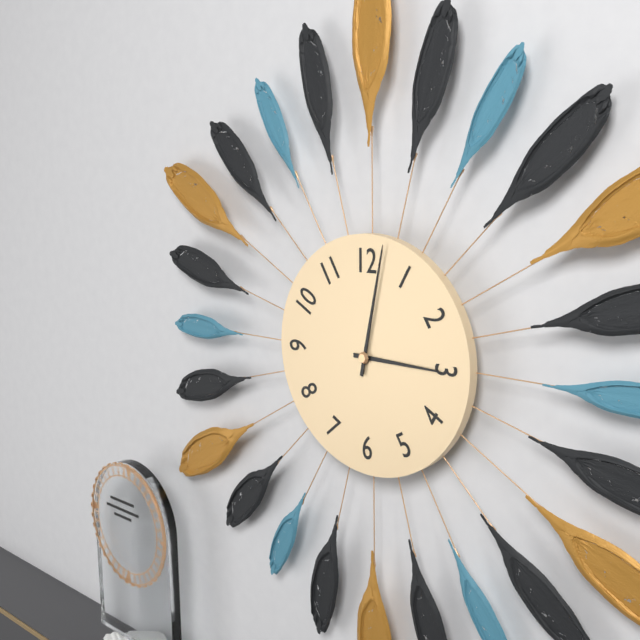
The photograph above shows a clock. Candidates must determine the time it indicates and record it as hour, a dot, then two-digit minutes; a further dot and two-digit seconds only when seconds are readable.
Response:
3.02
